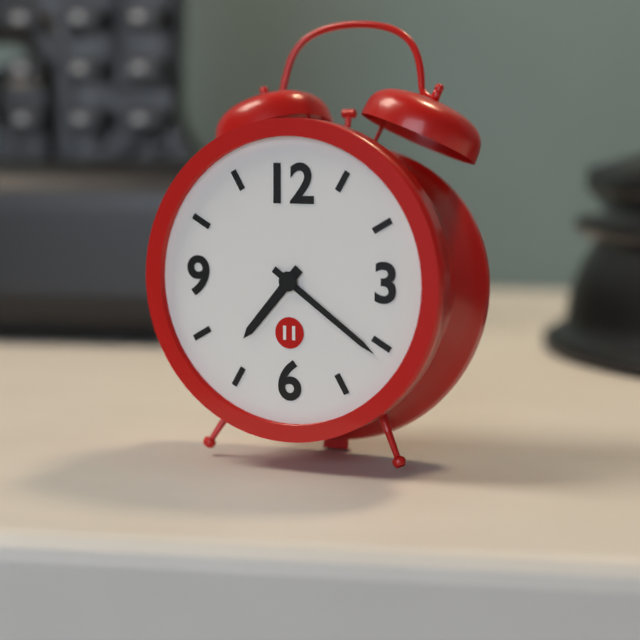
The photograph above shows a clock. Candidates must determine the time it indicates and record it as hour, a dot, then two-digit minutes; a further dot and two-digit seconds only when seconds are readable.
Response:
7.21
